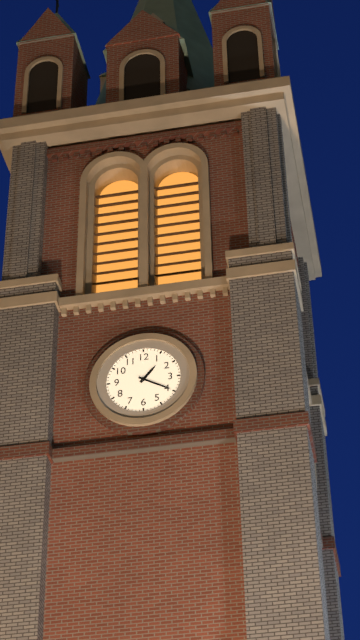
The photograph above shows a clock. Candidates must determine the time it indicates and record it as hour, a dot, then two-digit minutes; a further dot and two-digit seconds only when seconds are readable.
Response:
1.20
